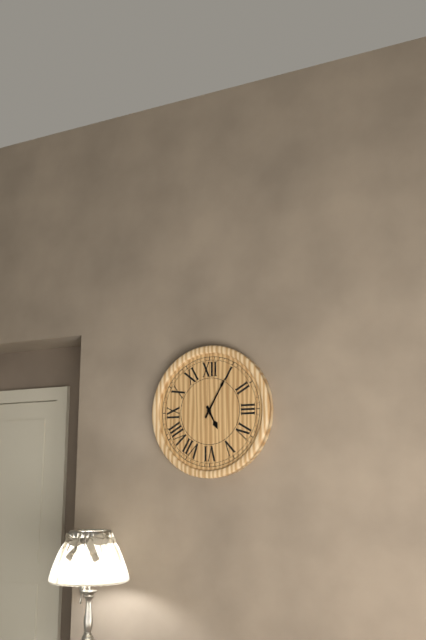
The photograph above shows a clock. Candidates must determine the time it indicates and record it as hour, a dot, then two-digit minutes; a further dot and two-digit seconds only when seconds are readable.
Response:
5.05
